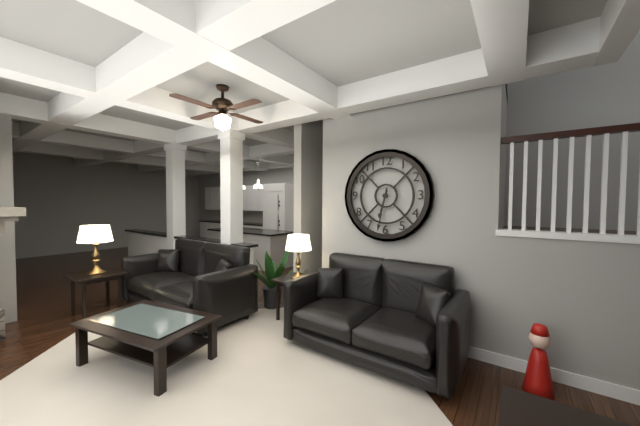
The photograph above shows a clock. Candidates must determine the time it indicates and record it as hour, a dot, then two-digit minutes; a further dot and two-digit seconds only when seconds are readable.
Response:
6.32
